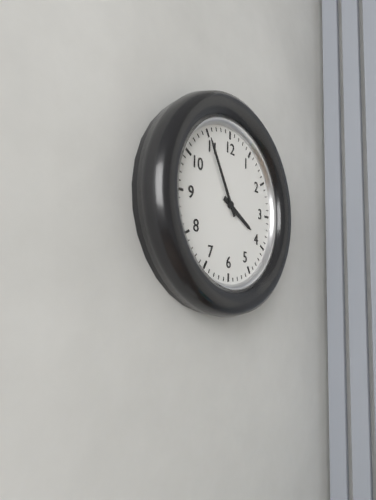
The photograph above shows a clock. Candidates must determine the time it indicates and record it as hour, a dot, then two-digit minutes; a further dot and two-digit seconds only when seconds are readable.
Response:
3.55
